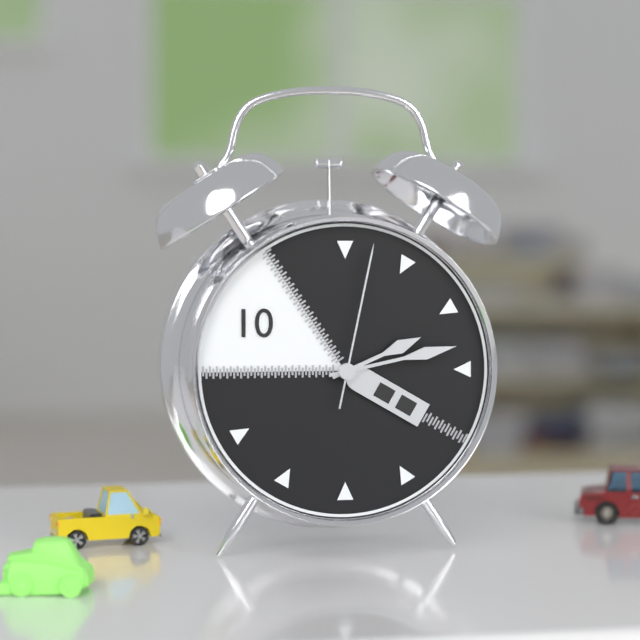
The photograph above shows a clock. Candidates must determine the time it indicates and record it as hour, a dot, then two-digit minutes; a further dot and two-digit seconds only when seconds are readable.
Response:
2.13.02
